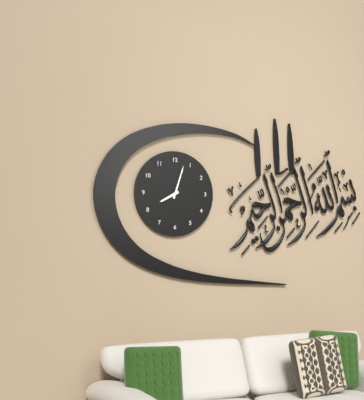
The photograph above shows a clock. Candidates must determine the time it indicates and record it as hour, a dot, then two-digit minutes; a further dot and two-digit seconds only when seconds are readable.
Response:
8.03
